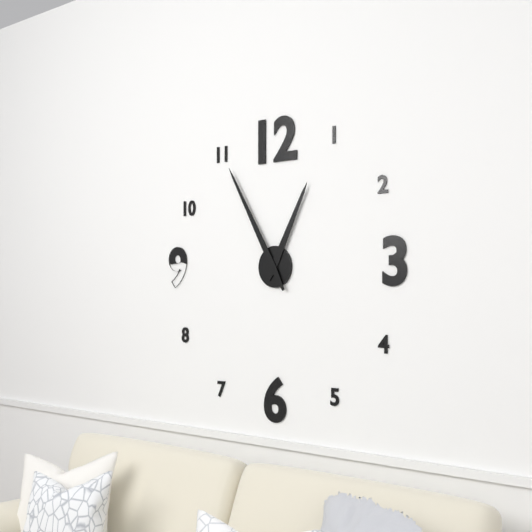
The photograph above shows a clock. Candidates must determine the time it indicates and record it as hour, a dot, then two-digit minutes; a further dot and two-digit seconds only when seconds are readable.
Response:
12.55
